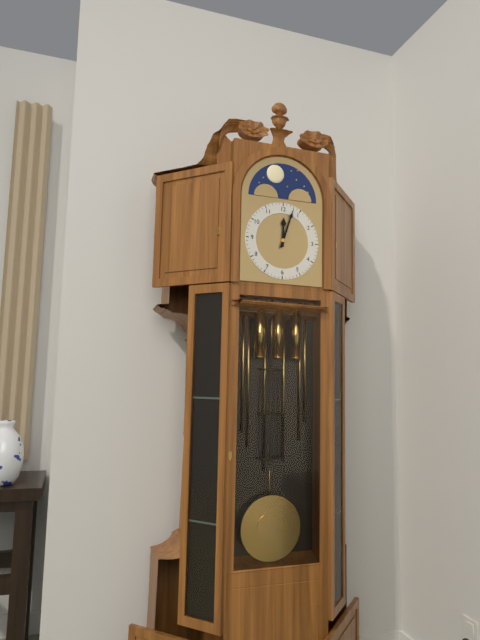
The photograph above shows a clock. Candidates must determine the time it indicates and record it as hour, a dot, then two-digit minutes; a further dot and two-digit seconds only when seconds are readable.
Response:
12.03
